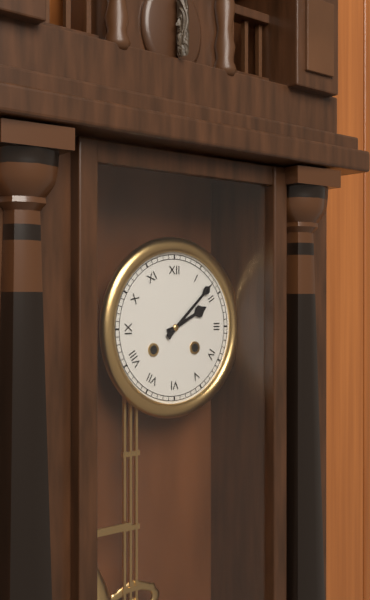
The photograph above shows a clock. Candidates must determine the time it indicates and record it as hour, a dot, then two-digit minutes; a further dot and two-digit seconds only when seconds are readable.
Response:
2.08
